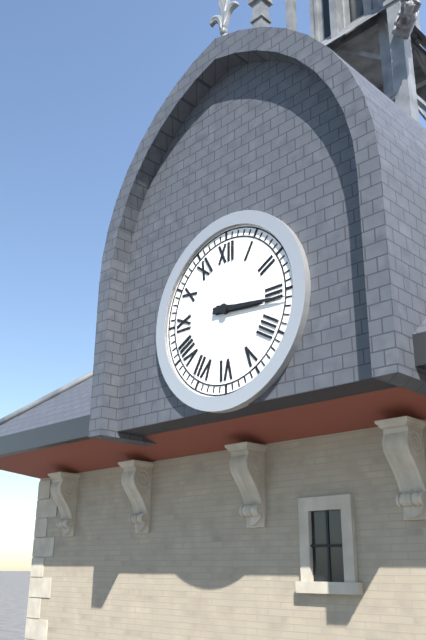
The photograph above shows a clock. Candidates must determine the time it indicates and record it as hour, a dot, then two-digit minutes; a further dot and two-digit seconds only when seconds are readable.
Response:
3.16
